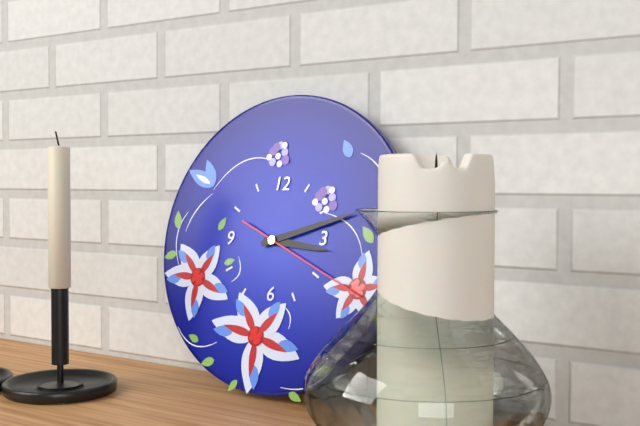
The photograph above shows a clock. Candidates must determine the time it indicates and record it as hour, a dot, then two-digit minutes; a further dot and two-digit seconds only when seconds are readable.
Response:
3.12.19
